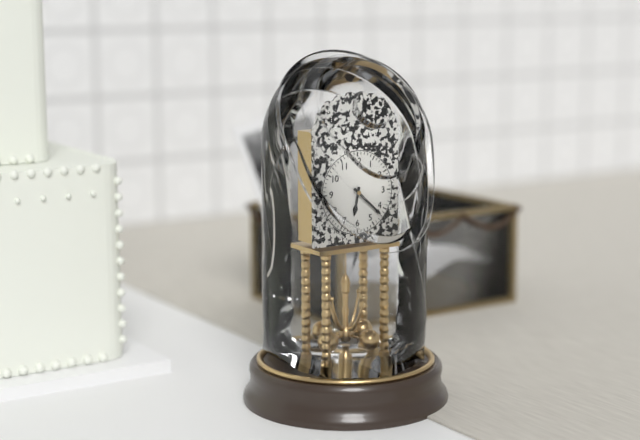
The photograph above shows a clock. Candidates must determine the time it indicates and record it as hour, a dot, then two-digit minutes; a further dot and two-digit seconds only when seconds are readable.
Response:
6.22
